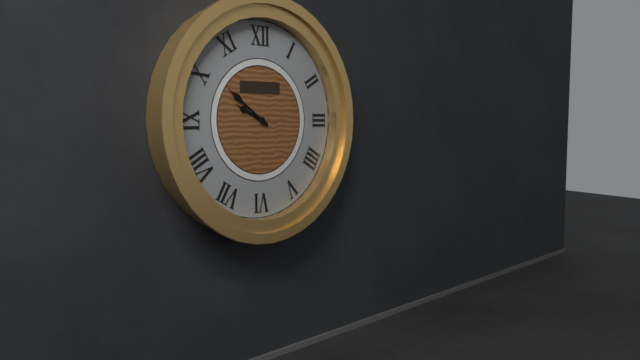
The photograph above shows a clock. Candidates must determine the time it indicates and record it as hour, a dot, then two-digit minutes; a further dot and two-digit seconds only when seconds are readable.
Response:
9.51
